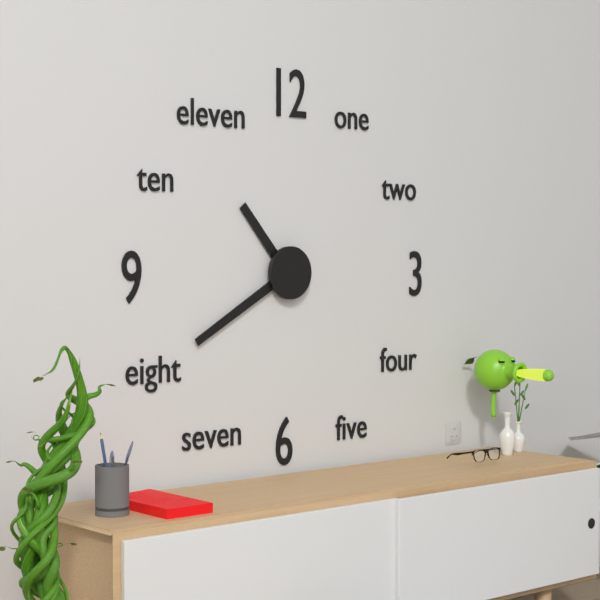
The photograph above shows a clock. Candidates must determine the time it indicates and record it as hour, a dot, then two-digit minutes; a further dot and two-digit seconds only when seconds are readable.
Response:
10.40
